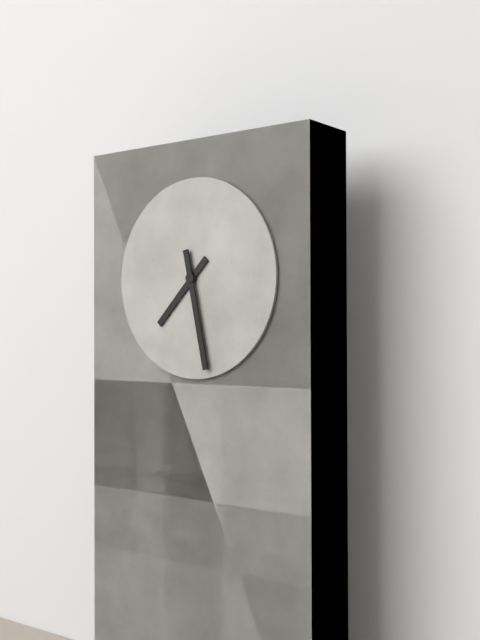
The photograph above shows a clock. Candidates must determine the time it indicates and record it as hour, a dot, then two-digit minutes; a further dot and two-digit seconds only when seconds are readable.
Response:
7.28
